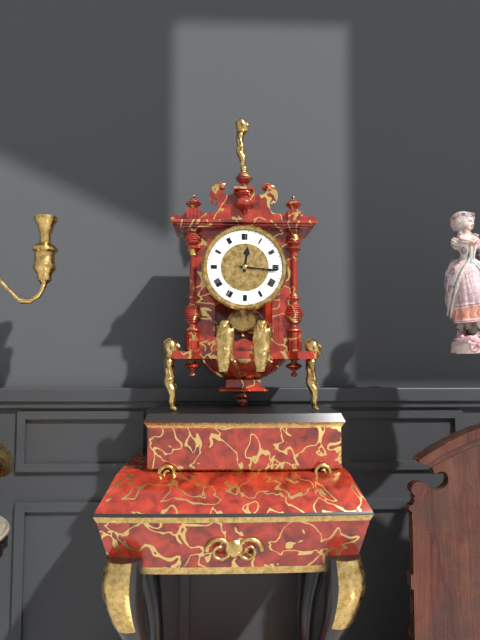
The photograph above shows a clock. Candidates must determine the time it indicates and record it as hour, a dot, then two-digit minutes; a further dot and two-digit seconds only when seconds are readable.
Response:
12.16
